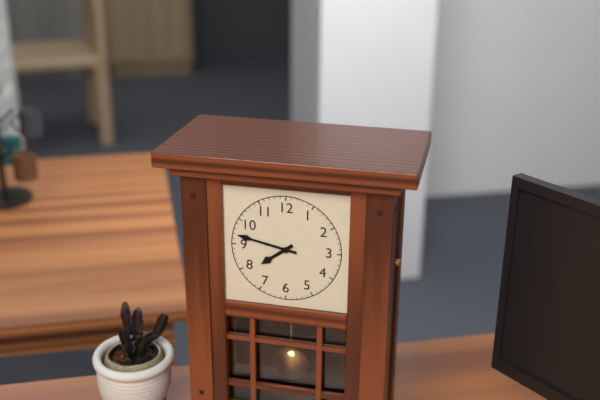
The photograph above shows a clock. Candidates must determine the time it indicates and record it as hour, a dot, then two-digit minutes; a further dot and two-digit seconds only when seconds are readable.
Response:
7.47
